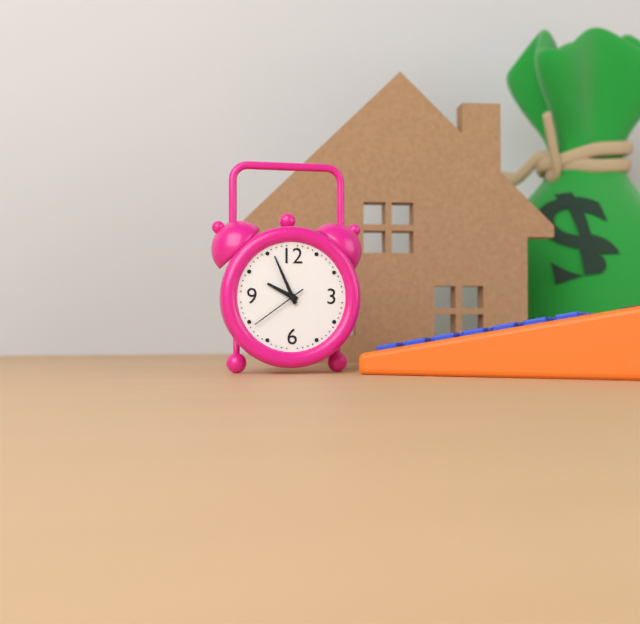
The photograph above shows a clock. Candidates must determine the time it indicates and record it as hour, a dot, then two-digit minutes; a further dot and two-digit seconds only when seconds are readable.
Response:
9.56.39
